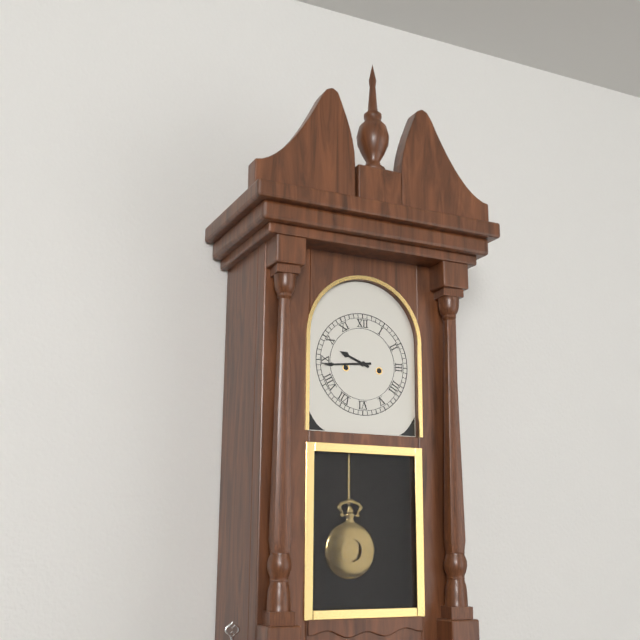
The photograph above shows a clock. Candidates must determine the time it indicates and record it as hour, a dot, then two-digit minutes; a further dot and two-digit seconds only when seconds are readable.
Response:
9.44
